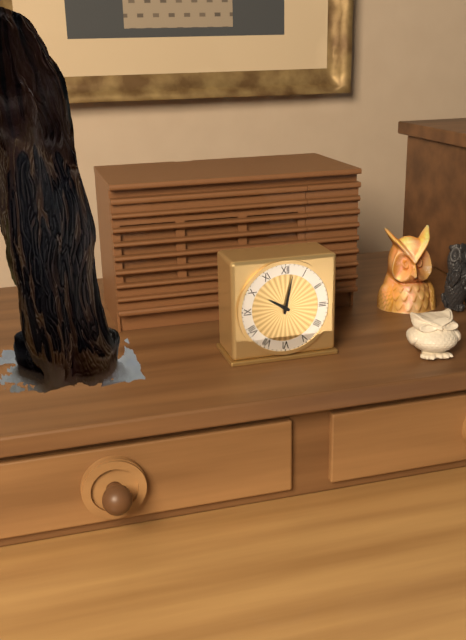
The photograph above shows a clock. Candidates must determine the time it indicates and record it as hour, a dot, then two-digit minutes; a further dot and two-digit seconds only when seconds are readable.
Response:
10.02
